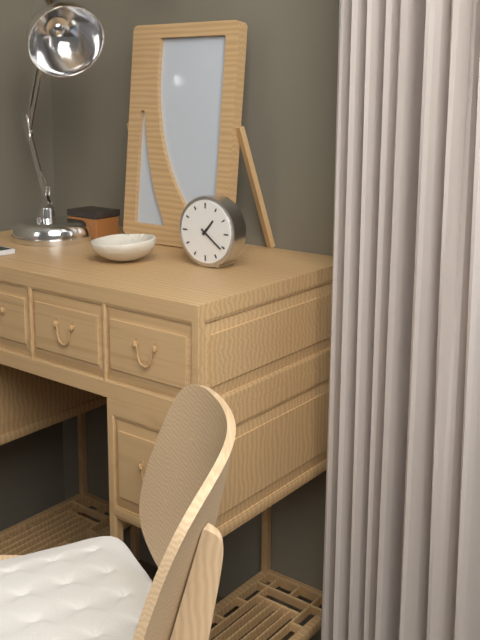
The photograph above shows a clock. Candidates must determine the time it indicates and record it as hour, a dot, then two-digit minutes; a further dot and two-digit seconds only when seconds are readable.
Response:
1.21
